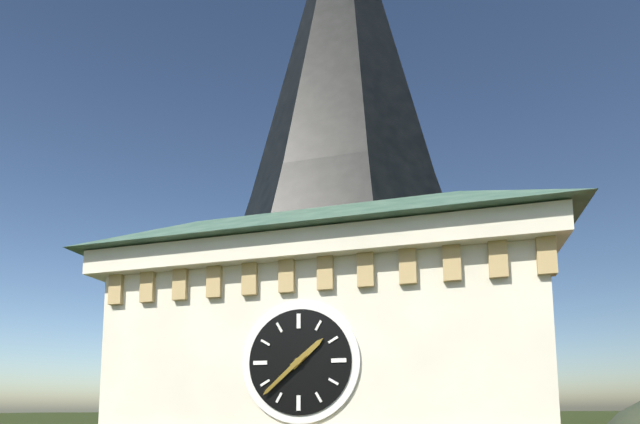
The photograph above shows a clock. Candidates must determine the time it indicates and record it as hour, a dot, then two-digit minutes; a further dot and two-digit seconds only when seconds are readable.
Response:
1.38
